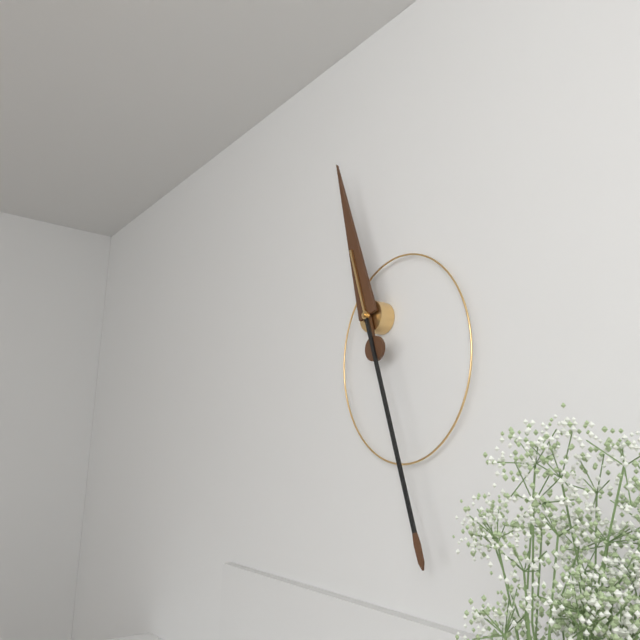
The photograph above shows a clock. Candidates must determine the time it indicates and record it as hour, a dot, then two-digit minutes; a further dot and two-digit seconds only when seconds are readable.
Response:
11.27
